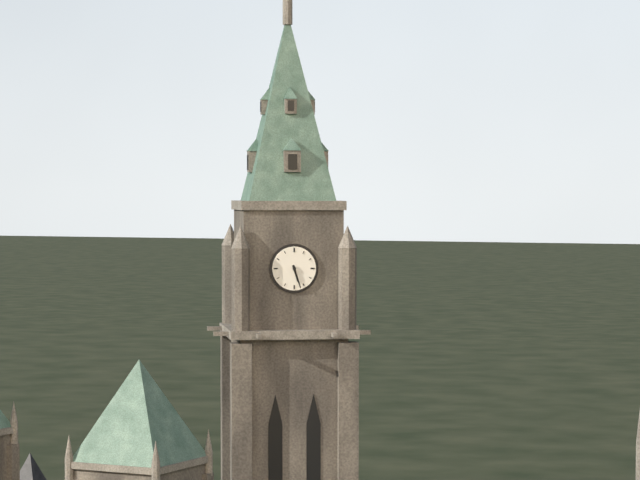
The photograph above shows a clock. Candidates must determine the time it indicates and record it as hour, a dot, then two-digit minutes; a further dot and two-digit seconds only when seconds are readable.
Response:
5.27
